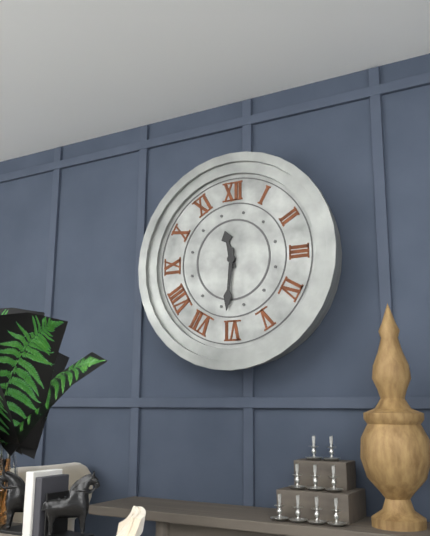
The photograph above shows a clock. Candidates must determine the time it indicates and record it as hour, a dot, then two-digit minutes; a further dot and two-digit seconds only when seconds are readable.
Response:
11.31
